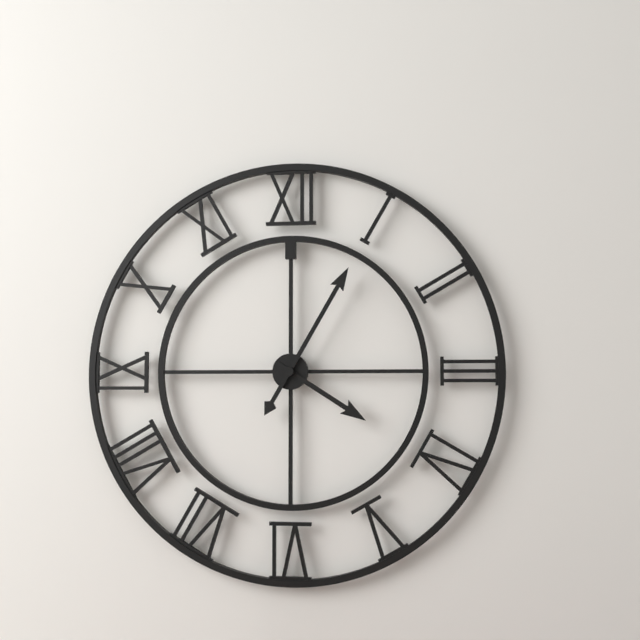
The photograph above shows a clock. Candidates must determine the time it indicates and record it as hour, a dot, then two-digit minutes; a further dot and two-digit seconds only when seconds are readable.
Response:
4.05
